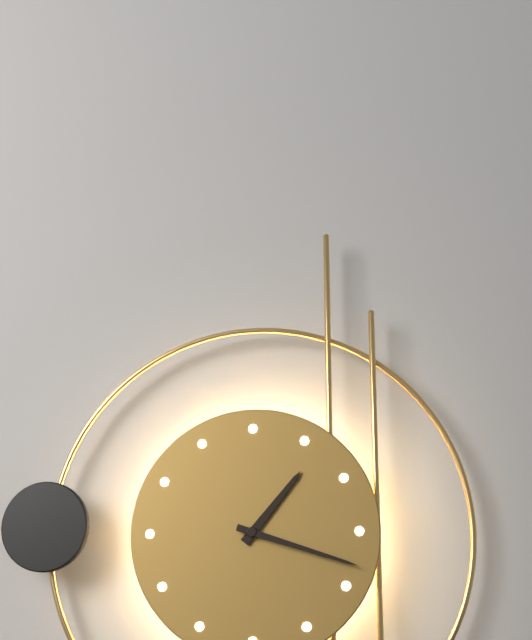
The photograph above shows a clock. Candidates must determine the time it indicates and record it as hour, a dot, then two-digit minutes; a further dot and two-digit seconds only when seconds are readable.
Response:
1.18
